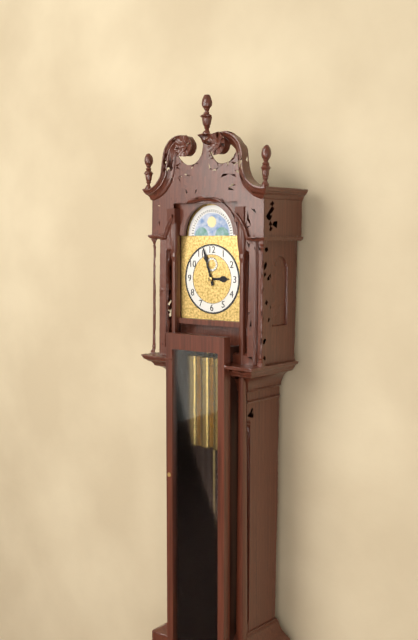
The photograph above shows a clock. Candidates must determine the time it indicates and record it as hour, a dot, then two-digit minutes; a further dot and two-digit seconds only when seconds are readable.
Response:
2.57
